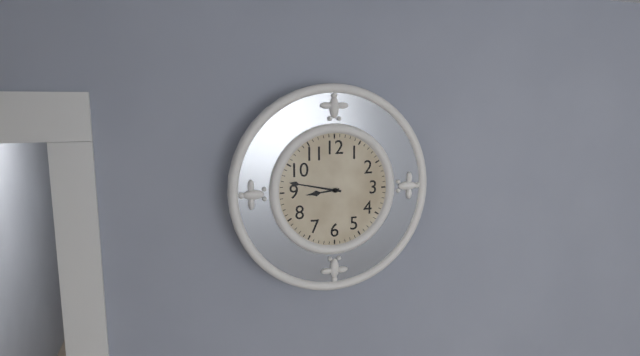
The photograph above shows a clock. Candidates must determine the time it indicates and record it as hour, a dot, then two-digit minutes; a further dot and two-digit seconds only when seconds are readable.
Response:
8.47
